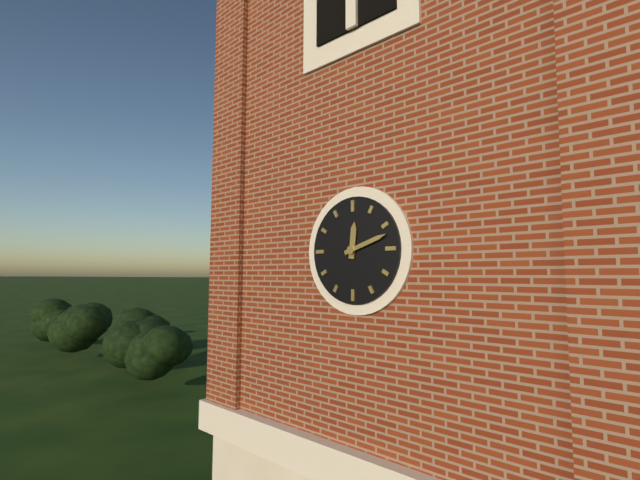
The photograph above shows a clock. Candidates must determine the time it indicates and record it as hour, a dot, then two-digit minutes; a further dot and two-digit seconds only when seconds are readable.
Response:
12.12
